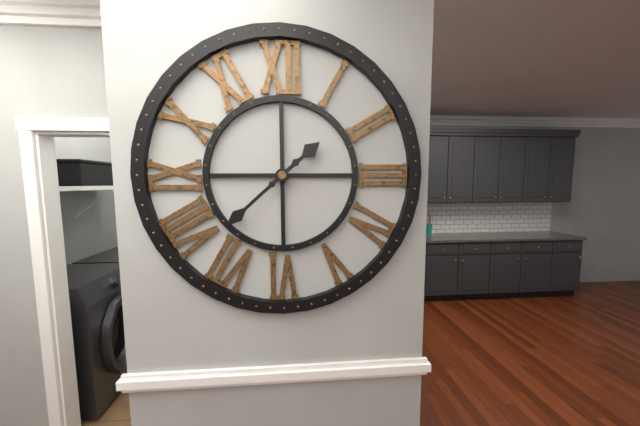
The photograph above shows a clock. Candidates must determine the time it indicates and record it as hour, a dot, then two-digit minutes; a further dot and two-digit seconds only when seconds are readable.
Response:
1.38
